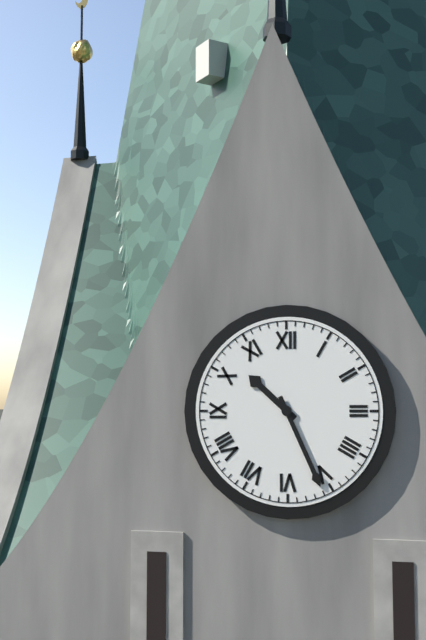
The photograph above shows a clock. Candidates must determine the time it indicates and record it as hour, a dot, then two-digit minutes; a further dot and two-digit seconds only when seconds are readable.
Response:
10.26
